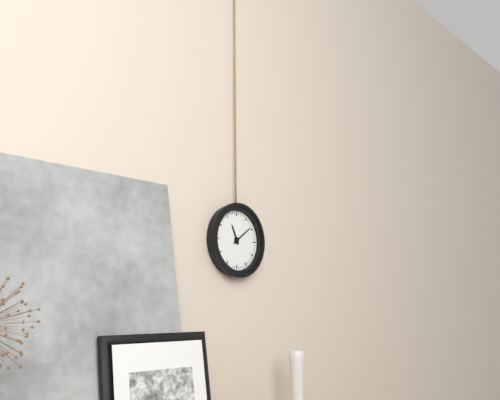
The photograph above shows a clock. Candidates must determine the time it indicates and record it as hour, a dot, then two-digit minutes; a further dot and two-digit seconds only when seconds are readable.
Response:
11.09
